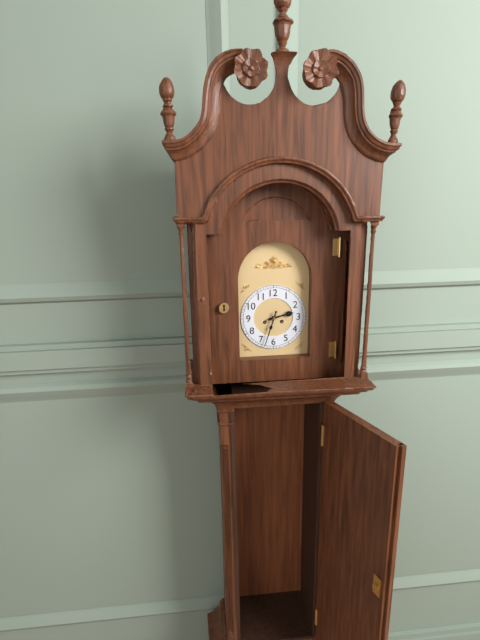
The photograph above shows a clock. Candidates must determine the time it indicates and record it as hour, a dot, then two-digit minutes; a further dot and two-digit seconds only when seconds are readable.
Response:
2.33
